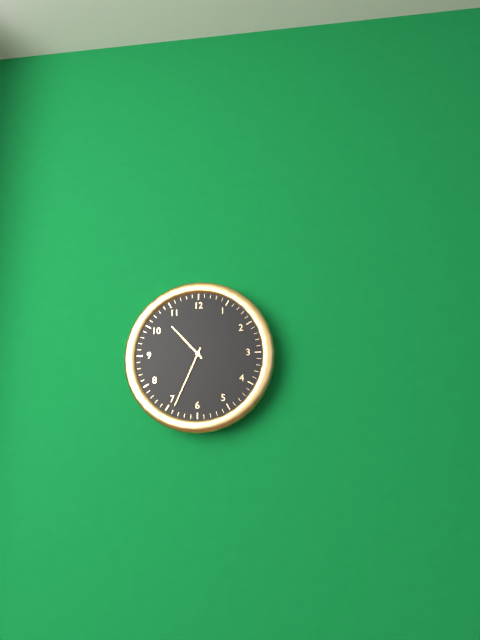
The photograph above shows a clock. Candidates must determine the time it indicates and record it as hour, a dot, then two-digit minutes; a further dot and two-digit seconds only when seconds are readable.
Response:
10.34
